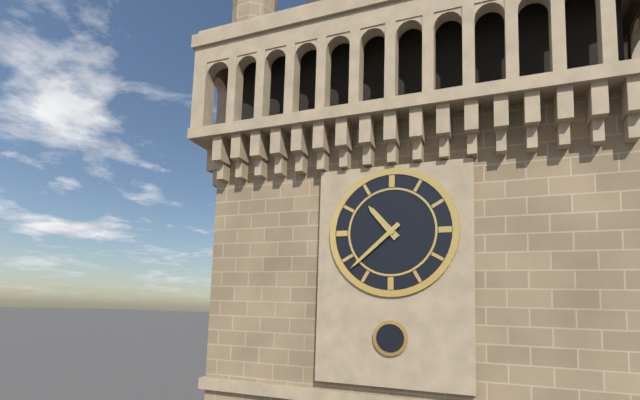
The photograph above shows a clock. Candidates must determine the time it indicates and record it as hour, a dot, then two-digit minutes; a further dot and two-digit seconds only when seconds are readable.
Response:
10.38
